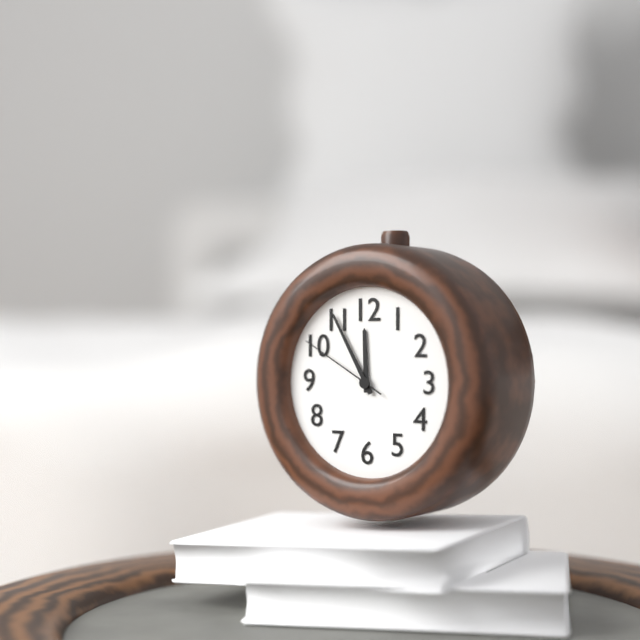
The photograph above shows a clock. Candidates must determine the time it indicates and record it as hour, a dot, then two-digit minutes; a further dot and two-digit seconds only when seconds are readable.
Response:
11.55.50
